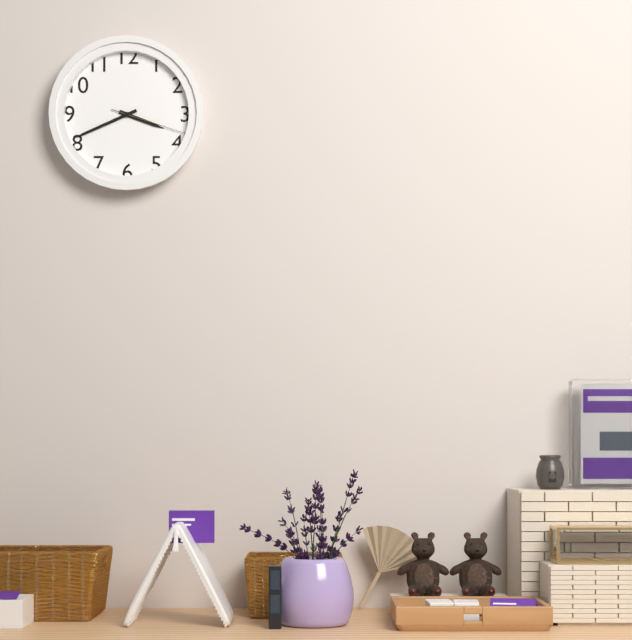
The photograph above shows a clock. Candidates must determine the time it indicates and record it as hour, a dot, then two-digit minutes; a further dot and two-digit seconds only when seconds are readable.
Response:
3.41.18
